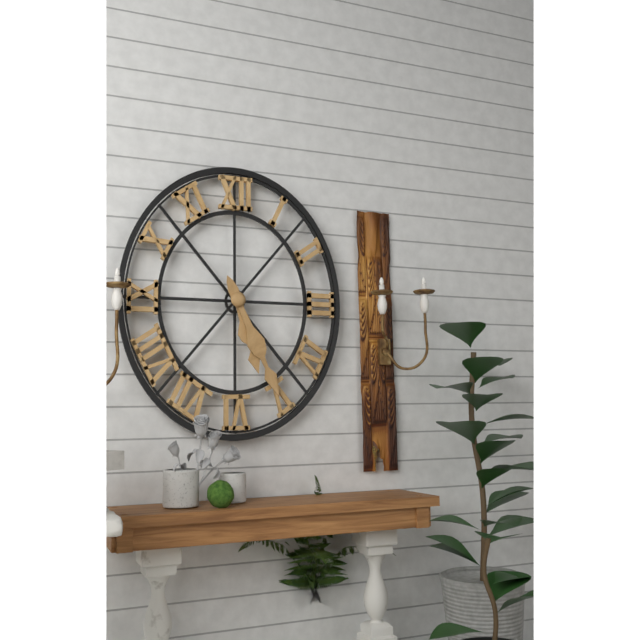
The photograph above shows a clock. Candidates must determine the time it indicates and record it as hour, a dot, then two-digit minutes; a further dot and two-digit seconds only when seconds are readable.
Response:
5.26
